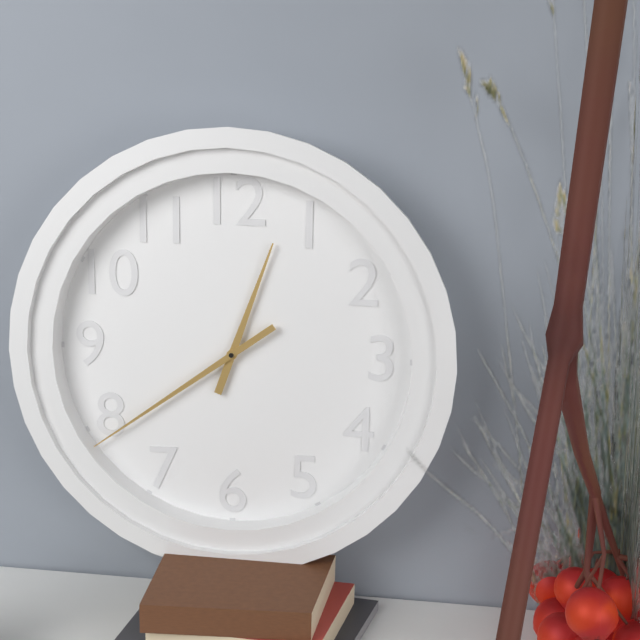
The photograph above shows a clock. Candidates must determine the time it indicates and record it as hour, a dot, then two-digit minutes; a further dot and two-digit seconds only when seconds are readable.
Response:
12.39
